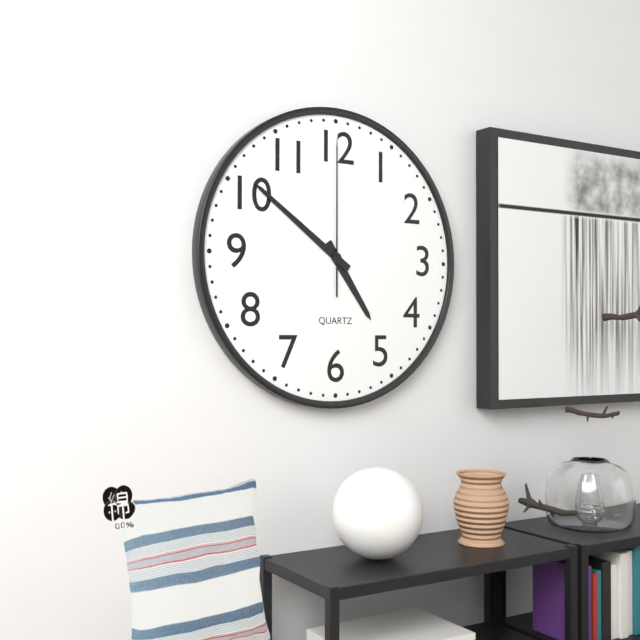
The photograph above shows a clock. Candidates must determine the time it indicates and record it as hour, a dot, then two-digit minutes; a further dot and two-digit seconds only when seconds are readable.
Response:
4.51.00
